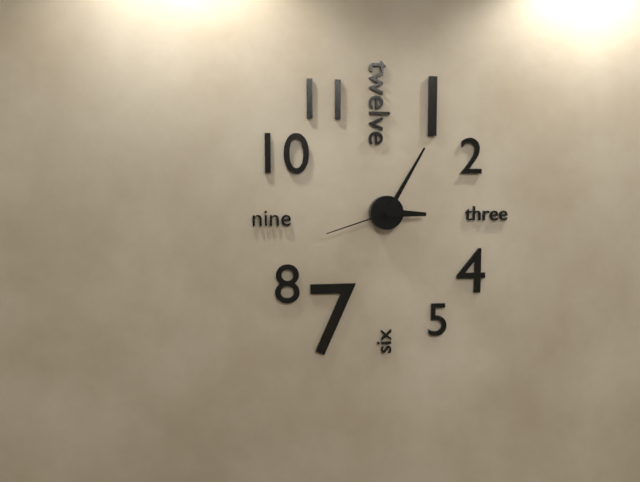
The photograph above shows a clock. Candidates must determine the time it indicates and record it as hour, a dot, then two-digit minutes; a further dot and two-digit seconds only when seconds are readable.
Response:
3.05.42
